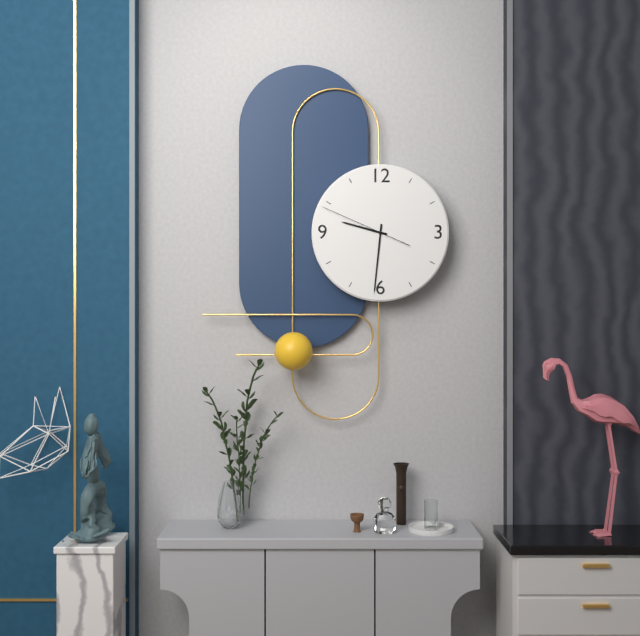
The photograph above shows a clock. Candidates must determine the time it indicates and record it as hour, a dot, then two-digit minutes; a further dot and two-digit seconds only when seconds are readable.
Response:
9.31.49
